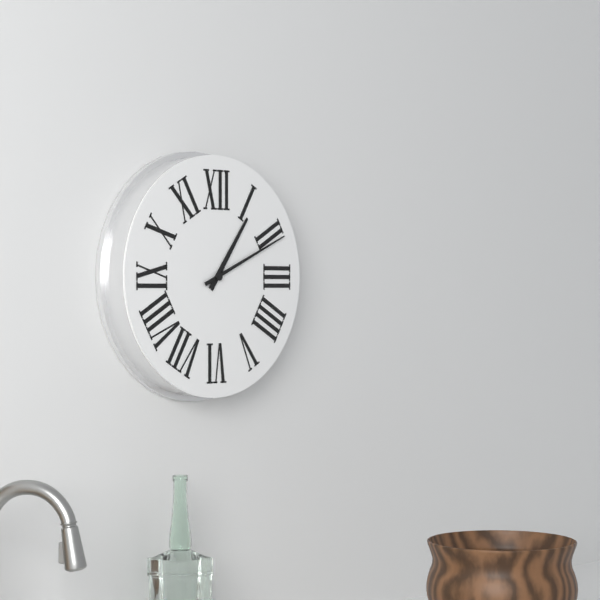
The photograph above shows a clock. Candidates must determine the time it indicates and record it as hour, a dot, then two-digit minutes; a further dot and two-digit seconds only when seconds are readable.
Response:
1.11
